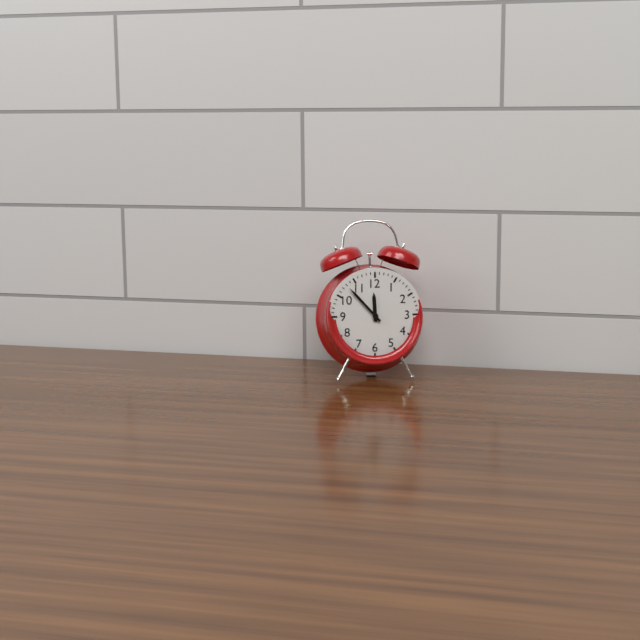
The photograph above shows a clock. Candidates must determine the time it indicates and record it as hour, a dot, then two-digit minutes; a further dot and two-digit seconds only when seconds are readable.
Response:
11.53
